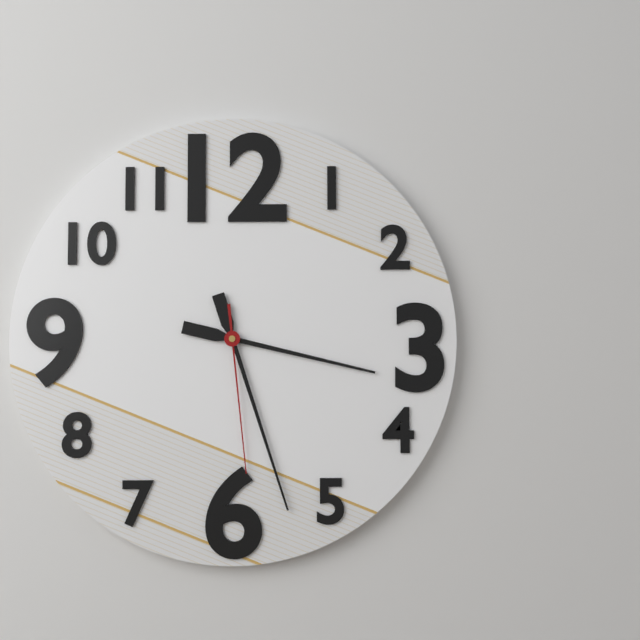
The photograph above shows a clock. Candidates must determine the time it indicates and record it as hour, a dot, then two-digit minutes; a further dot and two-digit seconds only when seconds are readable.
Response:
3.27.29
